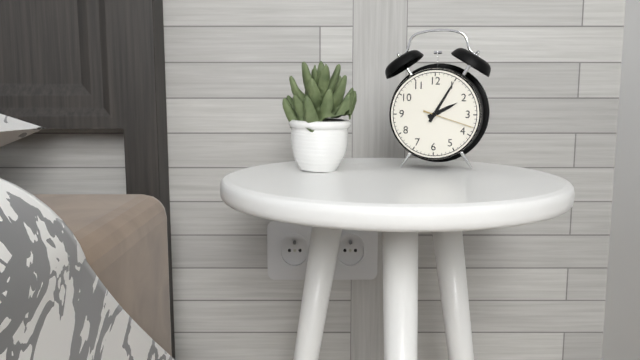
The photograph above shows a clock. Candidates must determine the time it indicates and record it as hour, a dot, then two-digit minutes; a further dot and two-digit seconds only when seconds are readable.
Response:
2.05.18
